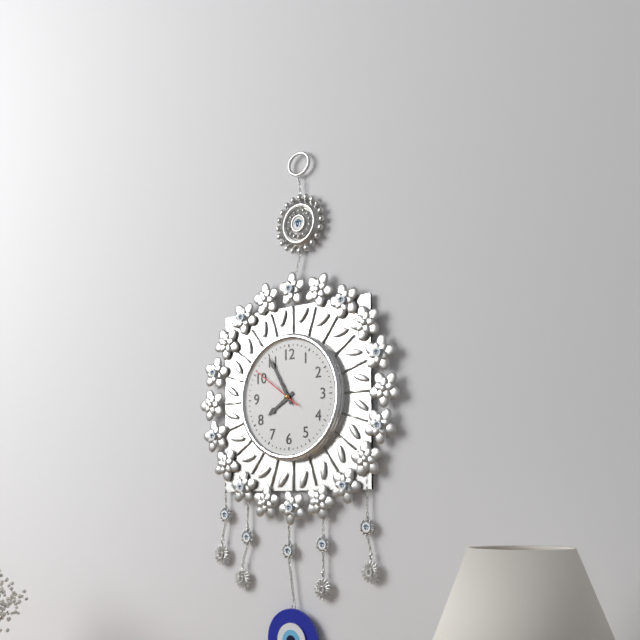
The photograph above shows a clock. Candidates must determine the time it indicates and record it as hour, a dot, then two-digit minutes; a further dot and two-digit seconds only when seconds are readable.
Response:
7.55.51
